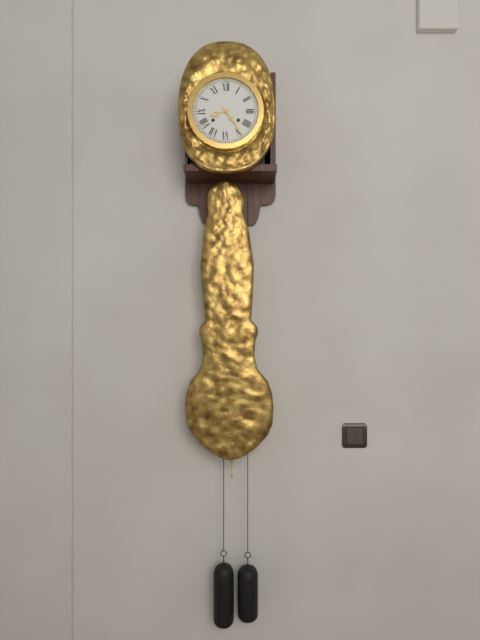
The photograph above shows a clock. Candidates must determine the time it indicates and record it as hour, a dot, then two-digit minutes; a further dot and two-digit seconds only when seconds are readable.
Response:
8.24
